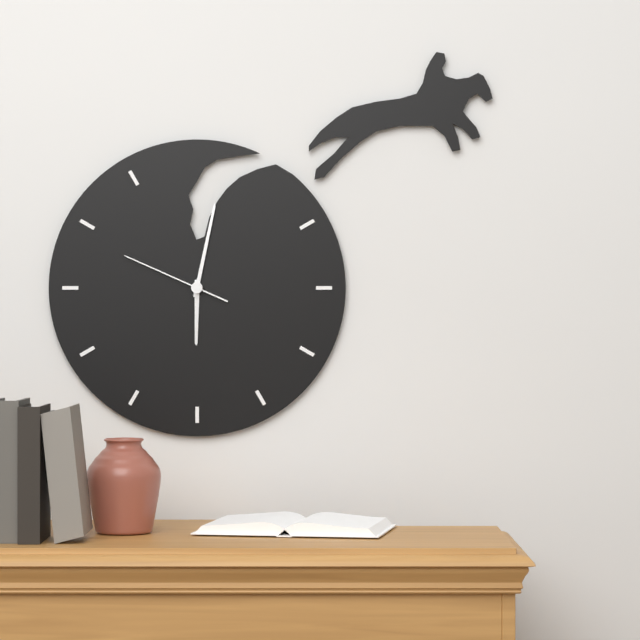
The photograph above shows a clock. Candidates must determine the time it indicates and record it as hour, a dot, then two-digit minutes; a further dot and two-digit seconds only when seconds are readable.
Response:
6.02.49
